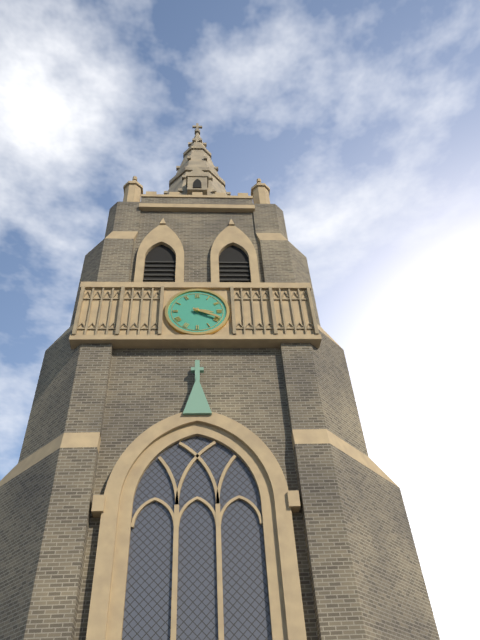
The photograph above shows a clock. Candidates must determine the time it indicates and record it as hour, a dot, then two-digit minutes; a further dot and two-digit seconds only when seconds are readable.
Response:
3.19
